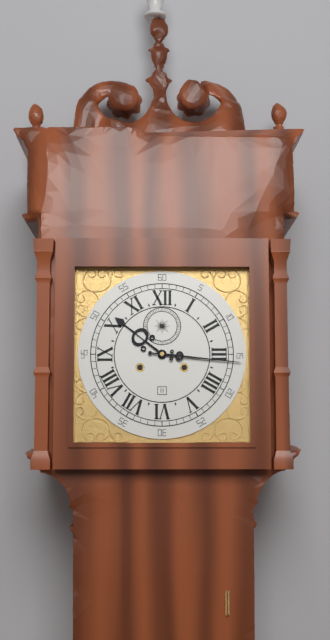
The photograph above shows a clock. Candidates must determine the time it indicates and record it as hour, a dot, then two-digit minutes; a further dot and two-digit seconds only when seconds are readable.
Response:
10.16
